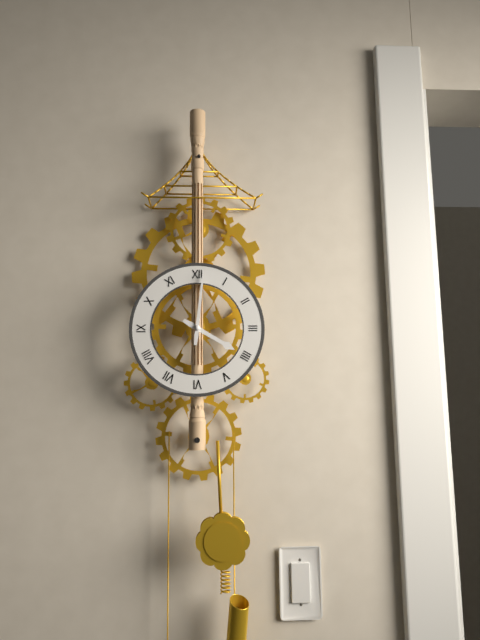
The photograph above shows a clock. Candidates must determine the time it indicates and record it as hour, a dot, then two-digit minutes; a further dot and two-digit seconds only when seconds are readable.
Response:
4.01
